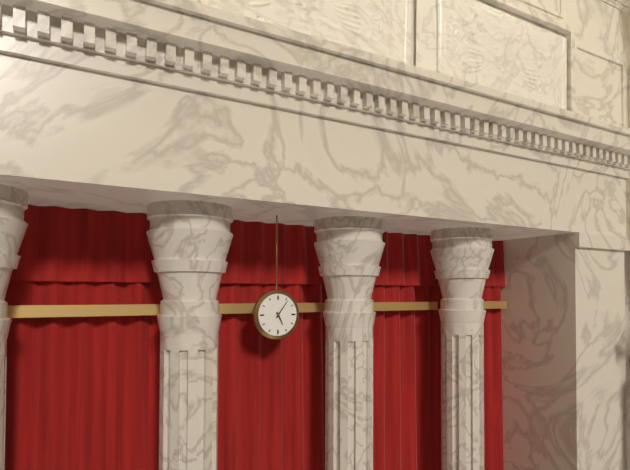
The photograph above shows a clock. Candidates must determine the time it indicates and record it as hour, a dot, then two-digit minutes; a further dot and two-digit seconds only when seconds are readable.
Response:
5.06
